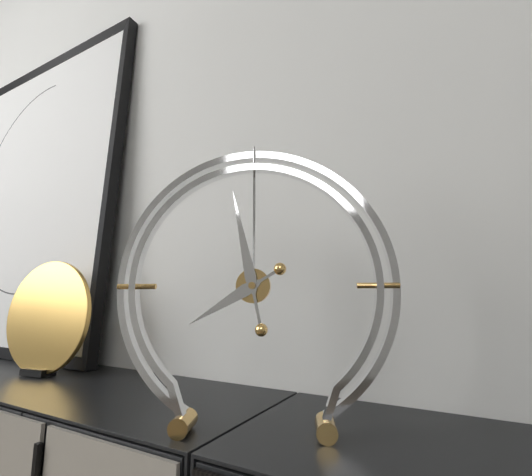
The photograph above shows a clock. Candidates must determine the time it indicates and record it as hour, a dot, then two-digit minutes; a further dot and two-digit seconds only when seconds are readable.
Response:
7.58
